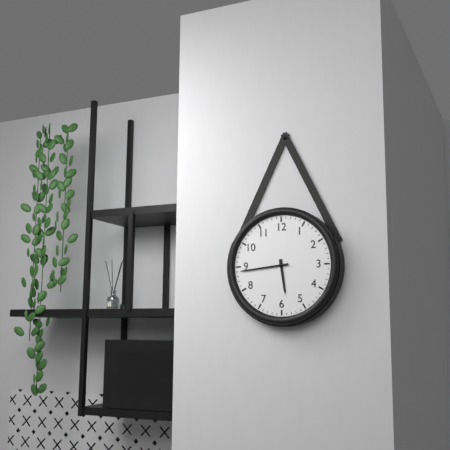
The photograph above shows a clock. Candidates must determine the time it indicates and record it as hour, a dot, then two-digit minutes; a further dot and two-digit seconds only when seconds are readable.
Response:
5.44
